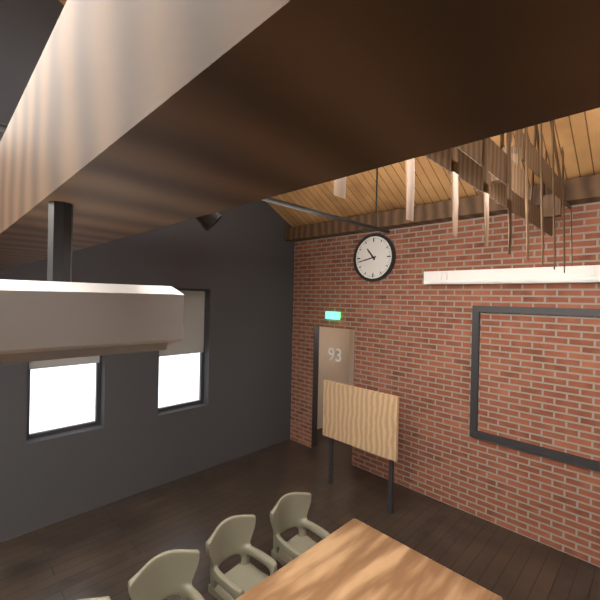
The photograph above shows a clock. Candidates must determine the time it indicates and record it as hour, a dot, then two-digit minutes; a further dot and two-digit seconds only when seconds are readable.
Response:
10.43
